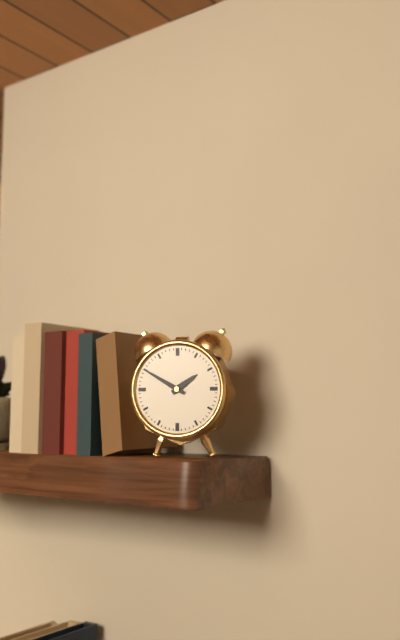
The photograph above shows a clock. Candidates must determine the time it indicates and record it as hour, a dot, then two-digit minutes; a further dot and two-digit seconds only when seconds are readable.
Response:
1.50
